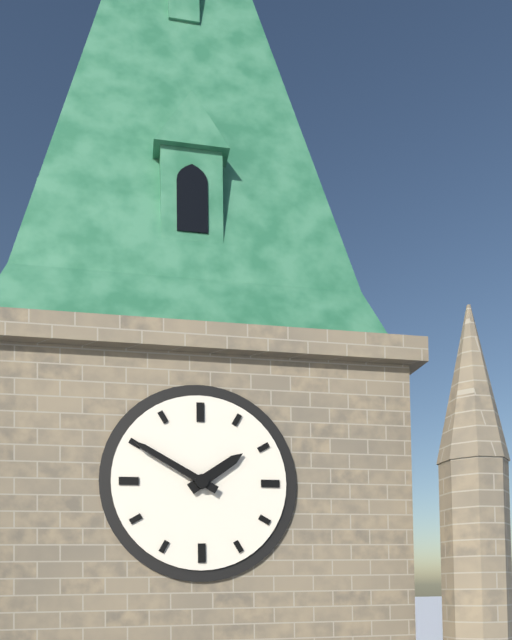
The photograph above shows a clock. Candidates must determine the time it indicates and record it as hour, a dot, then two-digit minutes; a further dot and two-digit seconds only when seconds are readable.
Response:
1.50
